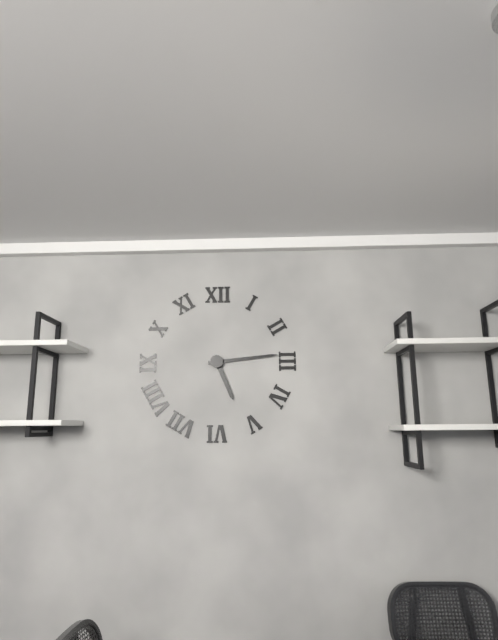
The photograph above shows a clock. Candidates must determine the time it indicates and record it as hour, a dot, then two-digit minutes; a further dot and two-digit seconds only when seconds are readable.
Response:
5.14
